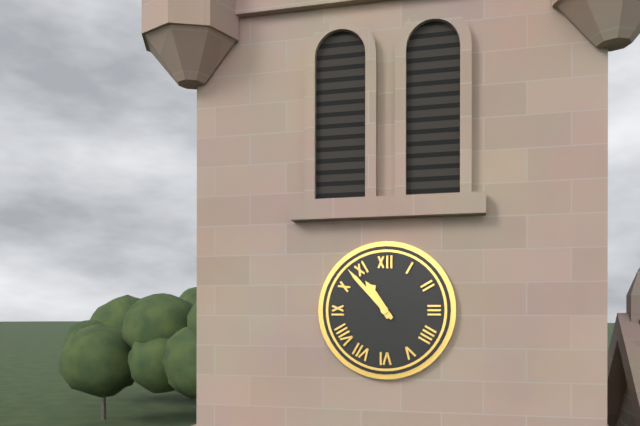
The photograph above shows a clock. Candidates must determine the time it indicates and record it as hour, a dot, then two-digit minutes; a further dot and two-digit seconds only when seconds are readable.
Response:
10.53
